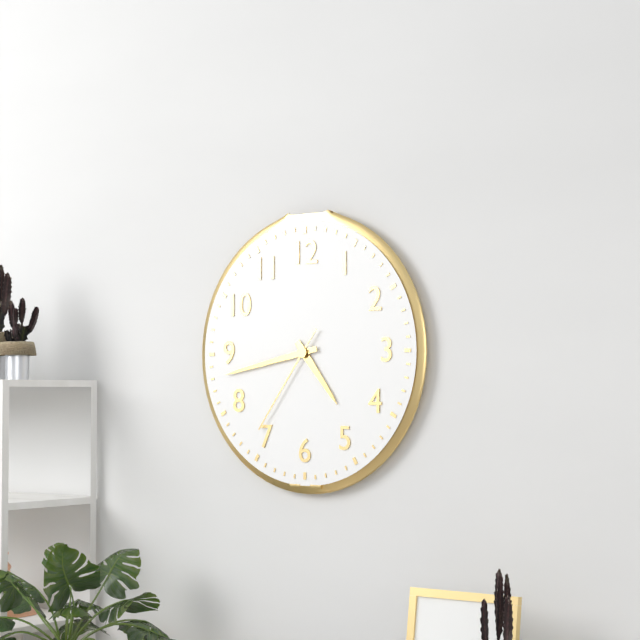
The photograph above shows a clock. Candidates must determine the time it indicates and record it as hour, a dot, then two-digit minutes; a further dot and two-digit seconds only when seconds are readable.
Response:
4.43.36
